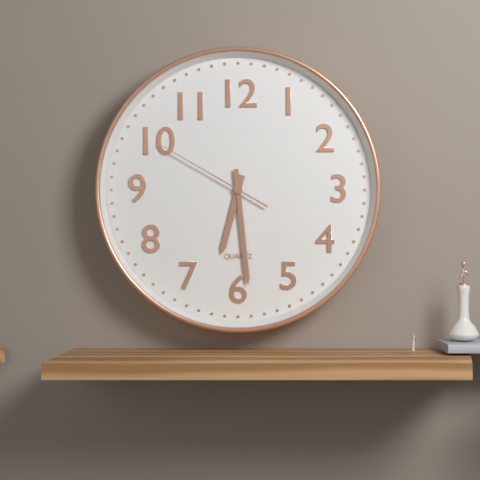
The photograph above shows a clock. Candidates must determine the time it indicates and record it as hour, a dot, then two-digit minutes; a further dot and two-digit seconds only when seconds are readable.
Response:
6.29.50
